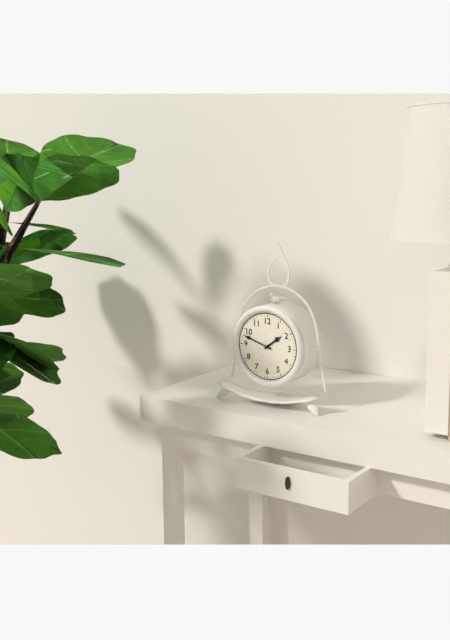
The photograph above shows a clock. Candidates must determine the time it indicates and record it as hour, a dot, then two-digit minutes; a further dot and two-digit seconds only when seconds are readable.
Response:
1.48
